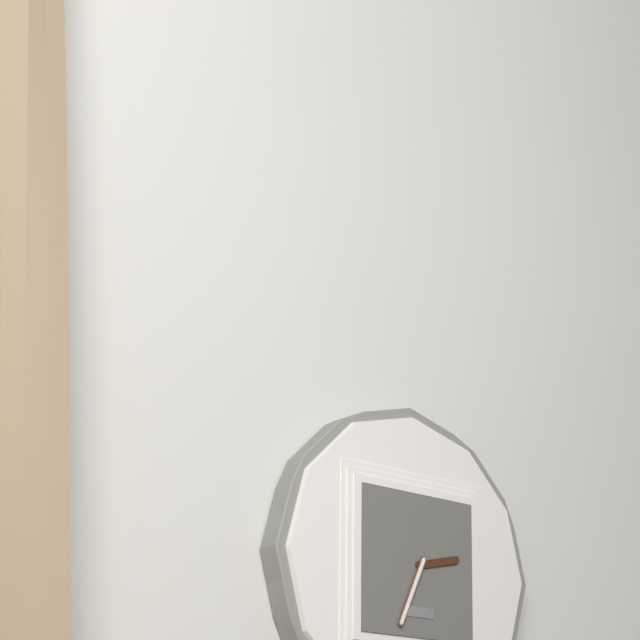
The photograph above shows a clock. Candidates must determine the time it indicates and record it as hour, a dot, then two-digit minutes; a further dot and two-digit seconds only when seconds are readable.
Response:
2.34
